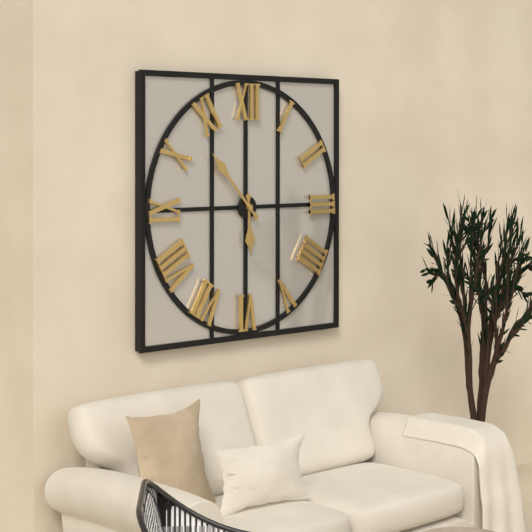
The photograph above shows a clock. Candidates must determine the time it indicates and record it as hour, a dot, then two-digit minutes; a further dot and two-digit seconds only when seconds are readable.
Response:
5.53
